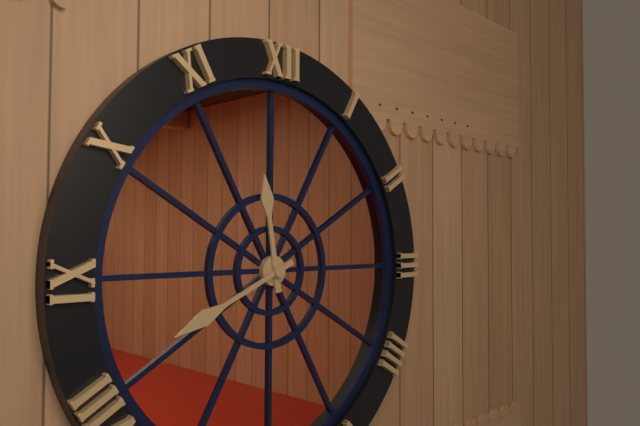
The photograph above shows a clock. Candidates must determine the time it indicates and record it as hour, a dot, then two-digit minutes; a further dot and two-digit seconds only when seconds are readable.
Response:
11.41
